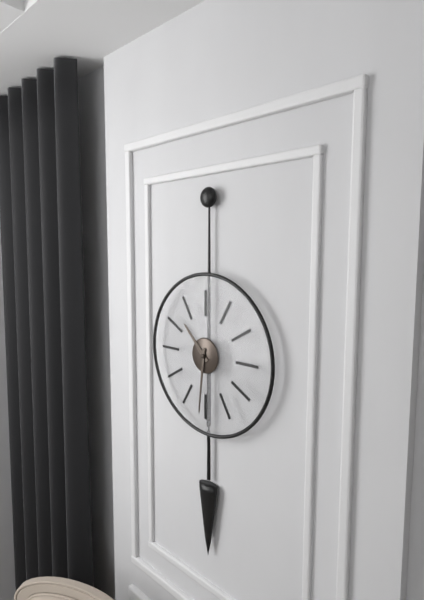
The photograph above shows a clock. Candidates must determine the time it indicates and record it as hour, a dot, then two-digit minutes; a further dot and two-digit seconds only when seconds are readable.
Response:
10.31
